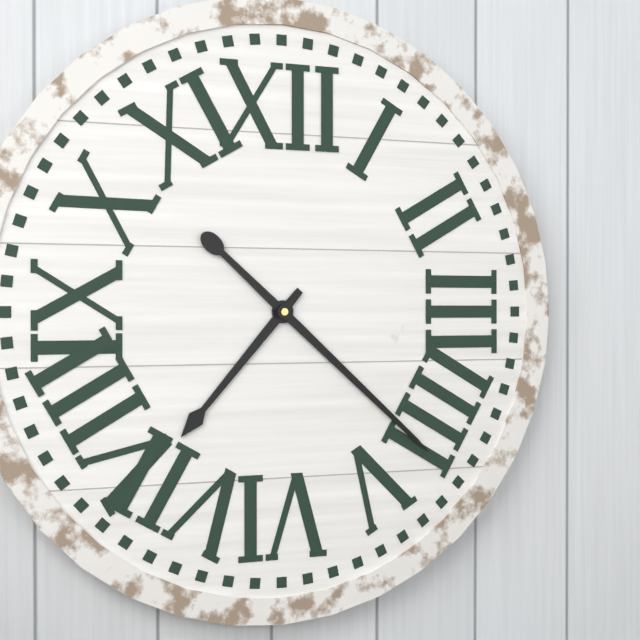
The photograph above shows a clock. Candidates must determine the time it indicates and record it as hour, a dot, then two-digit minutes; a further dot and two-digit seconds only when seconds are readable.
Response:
7.22
